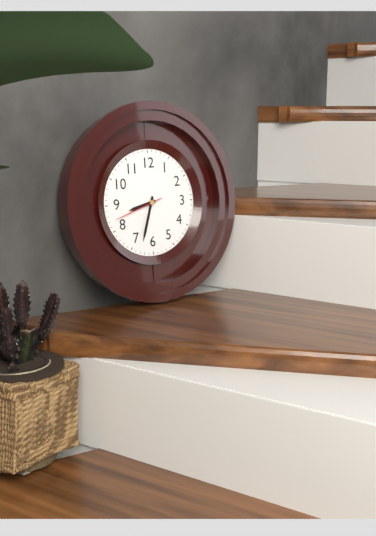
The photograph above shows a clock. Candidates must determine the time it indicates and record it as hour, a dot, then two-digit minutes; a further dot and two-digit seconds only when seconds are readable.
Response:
8.33
